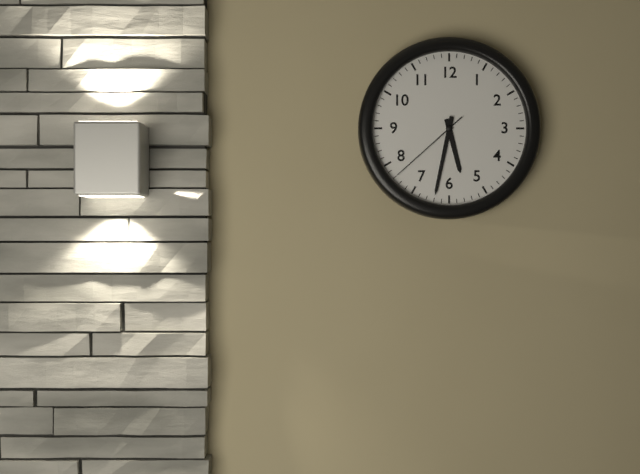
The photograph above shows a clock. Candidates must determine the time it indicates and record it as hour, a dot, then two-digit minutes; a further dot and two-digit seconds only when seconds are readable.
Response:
5.32.38
